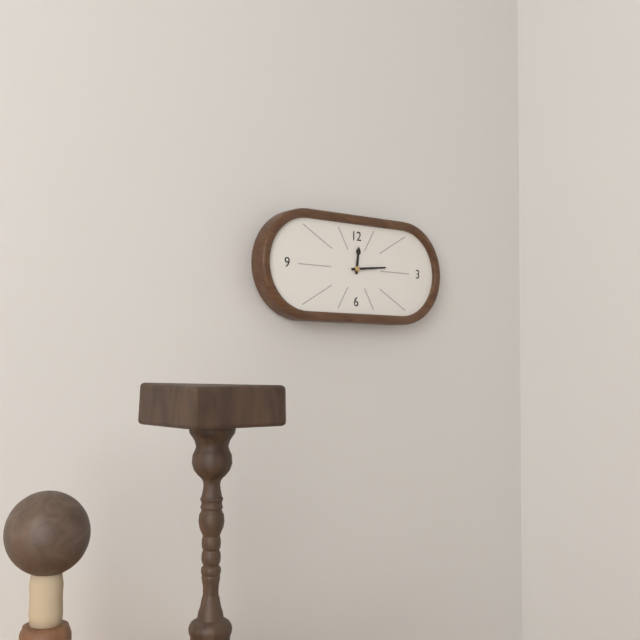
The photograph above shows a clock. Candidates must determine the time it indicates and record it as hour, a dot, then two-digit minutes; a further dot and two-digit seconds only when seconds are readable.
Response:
12.14
